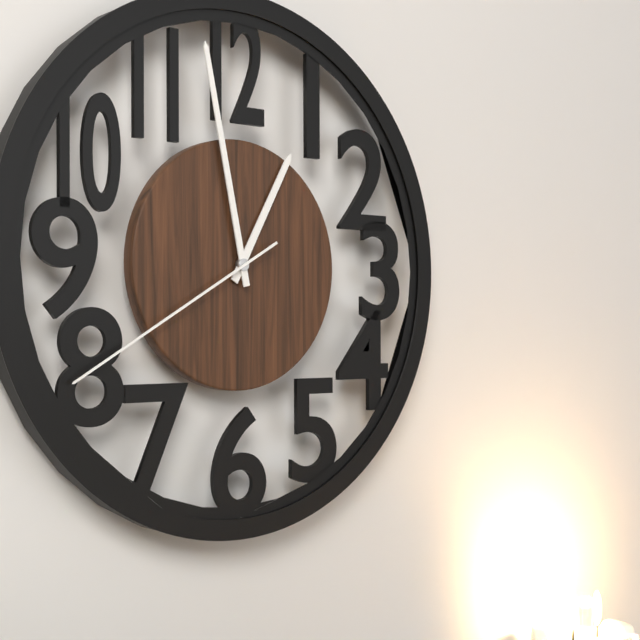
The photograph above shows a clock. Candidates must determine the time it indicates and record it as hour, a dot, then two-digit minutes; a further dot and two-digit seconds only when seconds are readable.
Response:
12.58.40
